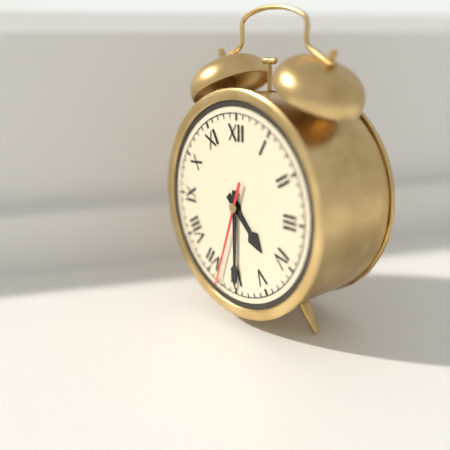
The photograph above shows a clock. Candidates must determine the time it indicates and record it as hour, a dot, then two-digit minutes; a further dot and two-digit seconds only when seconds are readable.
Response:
4.30.33
